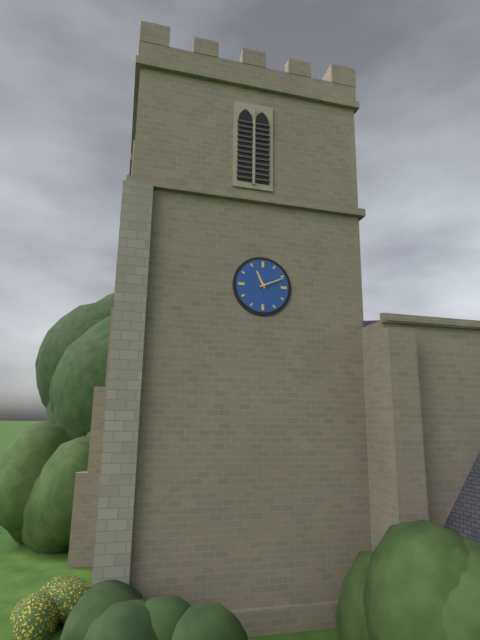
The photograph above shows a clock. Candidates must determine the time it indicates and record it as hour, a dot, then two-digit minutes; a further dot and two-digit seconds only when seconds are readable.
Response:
11.11
